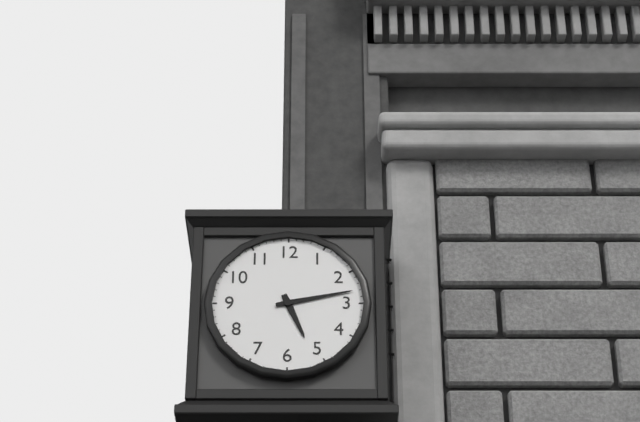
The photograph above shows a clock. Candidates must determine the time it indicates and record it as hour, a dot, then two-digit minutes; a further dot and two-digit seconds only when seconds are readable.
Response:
5.13
